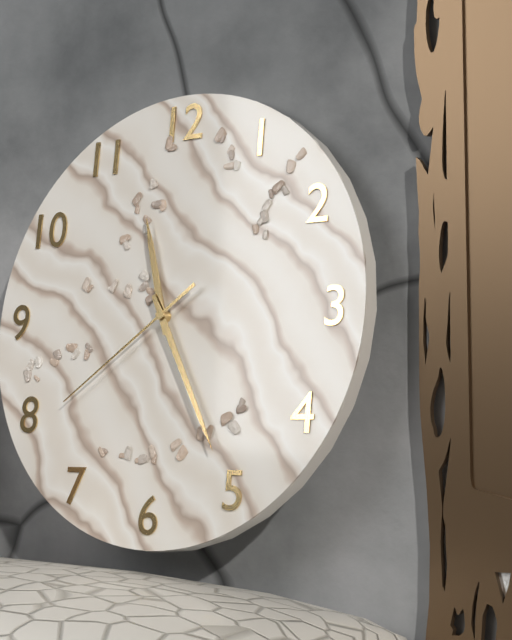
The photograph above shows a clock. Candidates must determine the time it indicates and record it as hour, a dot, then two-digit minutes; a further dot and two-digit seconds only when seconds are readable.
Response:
11.25.39
